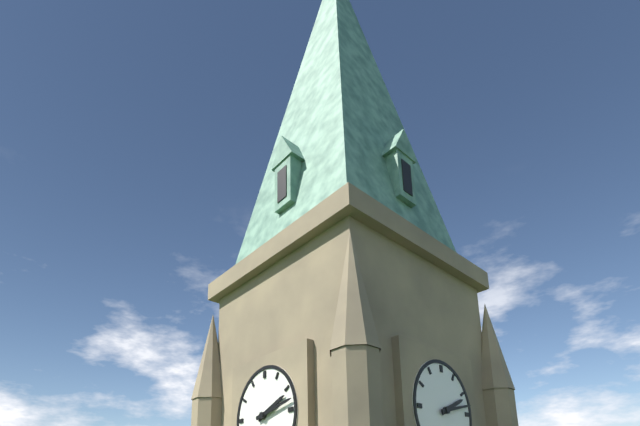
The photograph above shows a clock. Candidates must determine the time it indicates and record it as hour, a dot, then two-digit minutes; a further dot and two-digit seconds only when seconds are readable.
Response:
2.13
